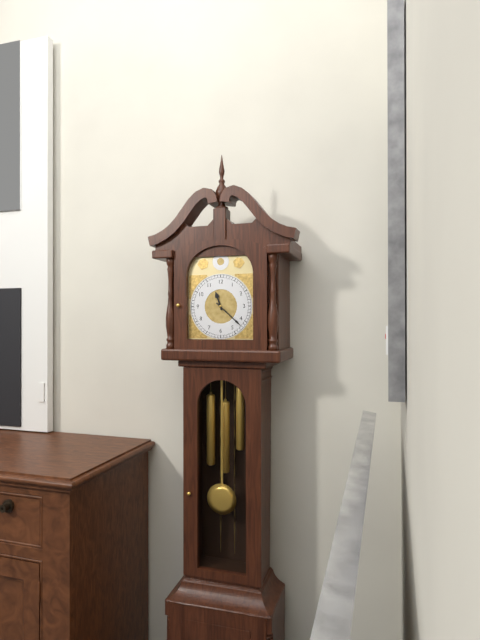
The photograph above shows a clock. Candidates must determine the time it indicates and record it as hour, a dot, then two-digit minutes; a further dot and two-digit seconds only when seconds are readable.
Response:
11.22
